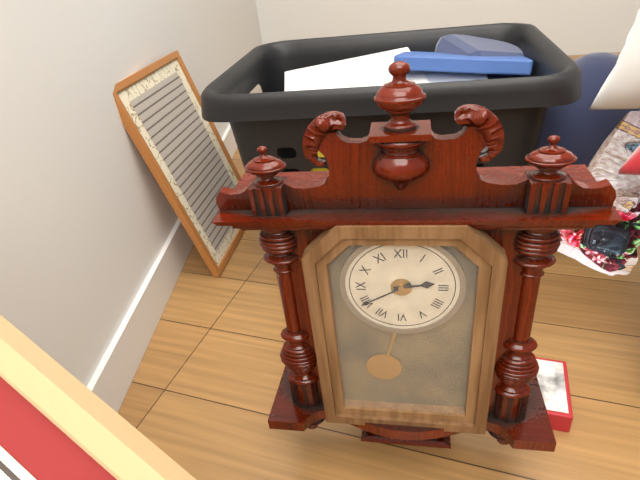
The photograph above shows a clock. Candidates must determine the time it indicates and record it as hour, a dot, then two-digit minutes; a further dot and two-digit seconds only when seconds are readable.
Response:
2.40
